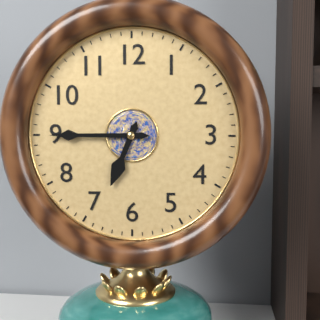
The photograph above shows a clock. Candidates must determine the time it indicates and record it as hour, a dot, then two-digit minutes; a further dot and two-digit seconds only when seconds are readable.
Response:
6.45
